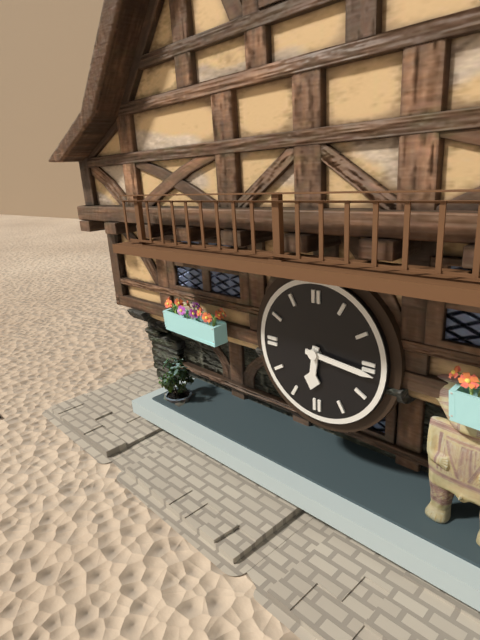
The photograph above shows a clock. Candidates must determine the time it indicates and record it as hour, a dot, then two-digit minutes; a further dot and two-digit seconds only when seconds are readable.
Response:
6.16
